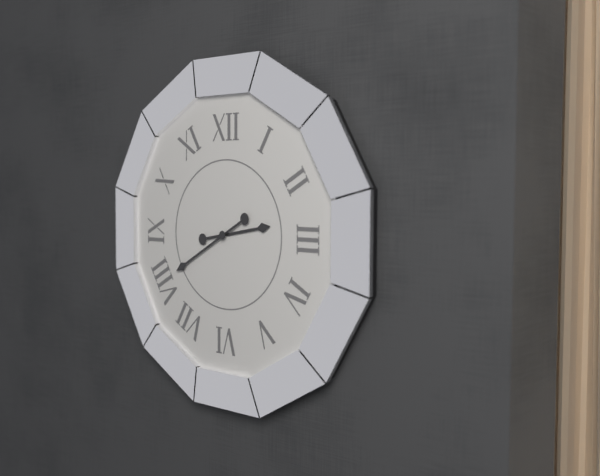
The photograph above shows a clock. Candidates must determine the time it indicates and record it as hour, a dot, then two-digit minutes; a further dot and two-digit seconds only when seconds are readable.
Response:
2.40
